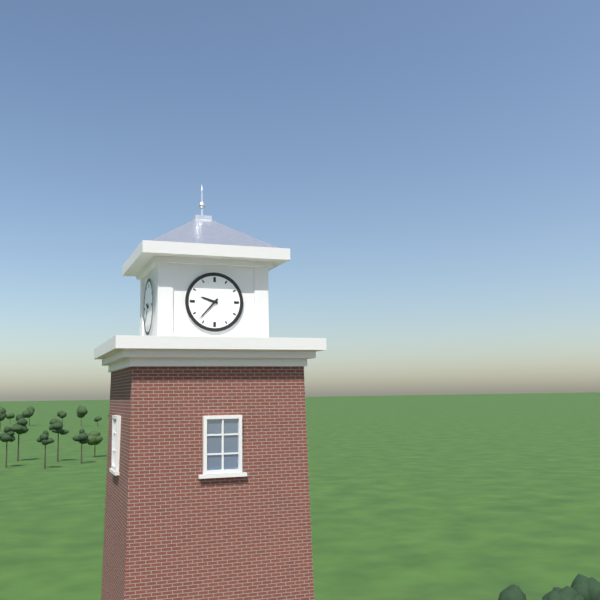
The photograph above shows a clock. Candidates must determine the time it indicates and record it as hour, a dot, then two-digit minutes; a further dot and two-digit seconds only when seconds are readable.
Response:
9.37
